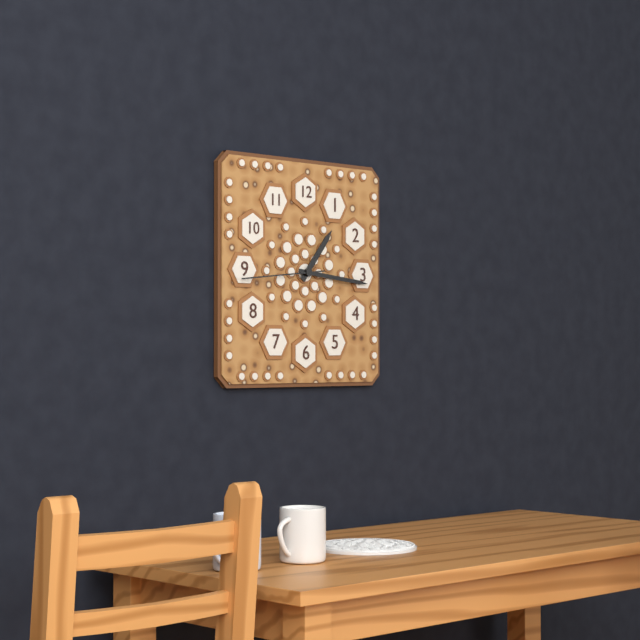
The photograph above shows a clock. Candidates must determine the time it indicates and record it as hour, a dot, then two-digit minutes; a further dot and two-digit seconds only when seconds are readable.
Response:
1.16.44
